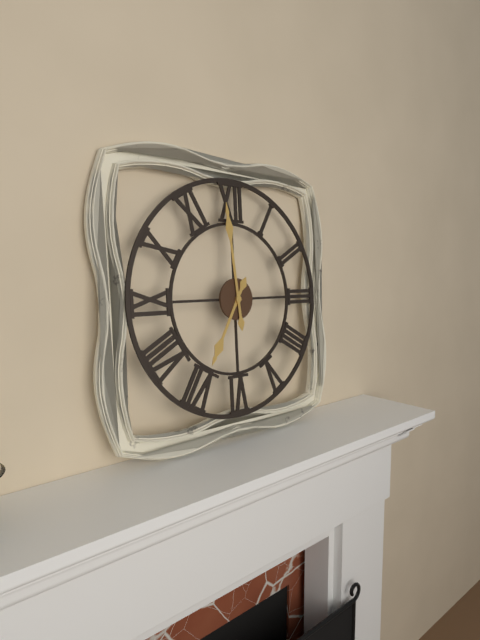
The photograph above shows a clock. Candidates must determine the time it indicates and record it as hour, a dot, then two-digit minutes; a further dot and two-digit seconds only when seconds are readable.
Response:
6.59
